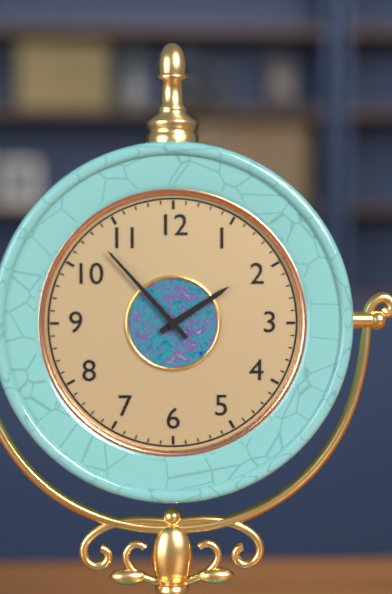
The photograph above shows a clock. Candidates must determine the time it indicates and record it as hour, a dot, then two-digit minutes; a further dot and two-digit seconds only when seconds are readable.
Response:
1.53
